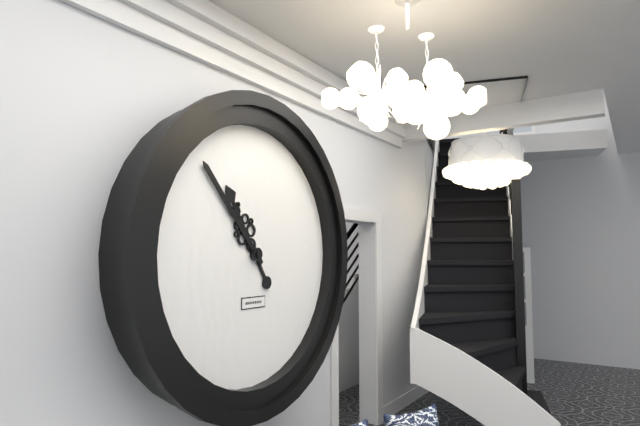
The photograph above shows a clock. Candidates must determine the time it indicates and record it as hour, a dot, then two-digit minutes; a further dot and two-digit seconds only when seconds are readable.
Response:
10.53
